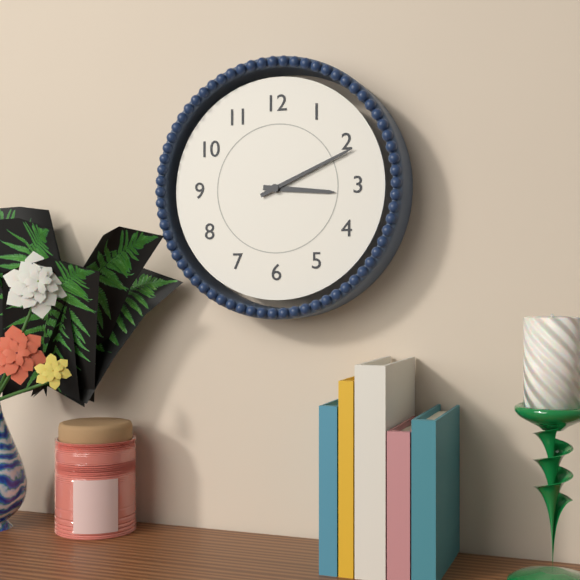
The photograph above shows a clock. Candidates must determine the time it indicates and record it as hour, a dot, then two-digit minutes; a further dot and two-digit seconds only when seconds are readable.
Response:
3.11
